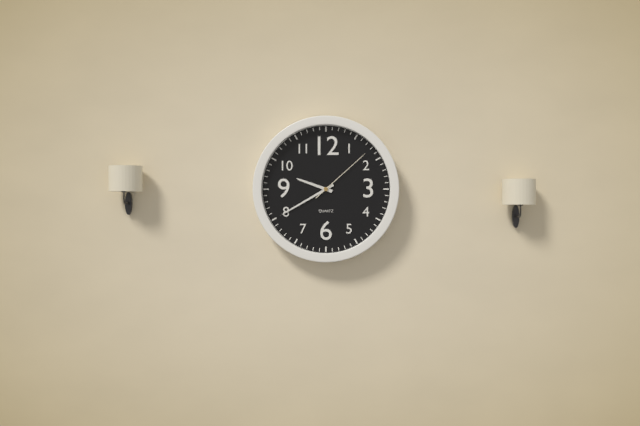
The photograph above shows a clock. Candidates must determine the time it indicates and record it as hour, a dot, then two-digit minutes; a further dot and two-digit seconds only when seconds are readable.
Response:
9.40.08
